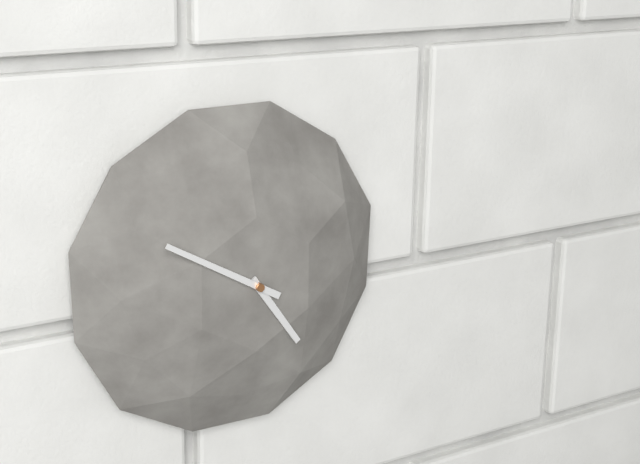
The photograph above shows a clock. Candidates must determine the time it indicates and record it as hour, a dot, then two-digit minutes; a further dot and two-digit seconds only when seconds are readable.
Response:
4.50
